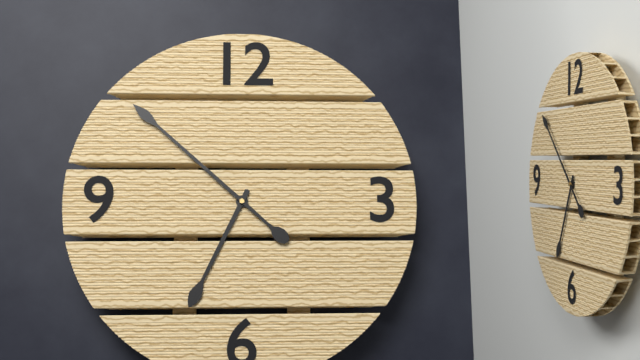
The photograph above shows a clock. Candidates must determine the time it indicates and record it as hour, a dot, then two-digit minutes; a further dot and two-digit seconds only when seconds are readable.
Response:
6.52
